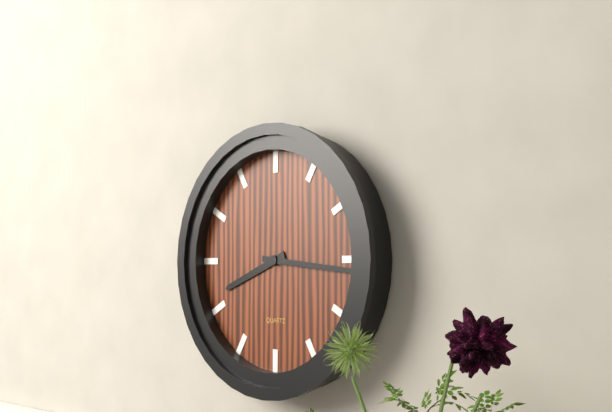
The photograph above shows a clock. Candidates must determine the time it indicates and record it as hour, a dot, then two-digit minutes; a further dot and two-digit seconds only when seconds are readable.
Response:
8.16
